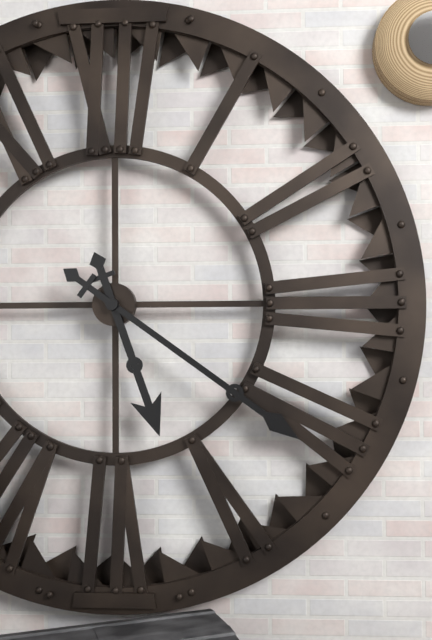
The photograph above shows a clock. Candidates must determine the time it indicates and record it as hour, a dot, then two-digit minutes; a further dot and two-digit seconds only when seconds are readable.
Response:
5.21
